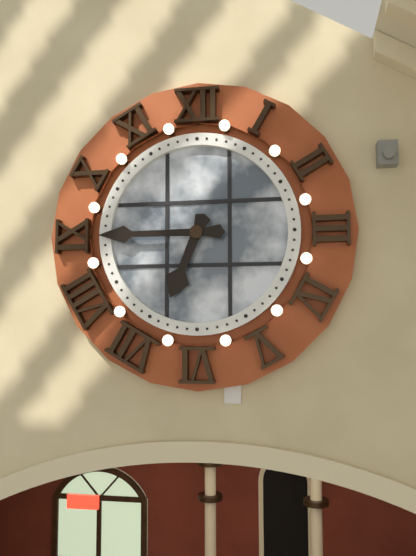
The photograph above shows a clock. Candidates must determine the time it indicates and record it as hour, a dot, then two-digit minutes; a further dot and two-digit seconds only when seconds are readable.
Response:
6.45
